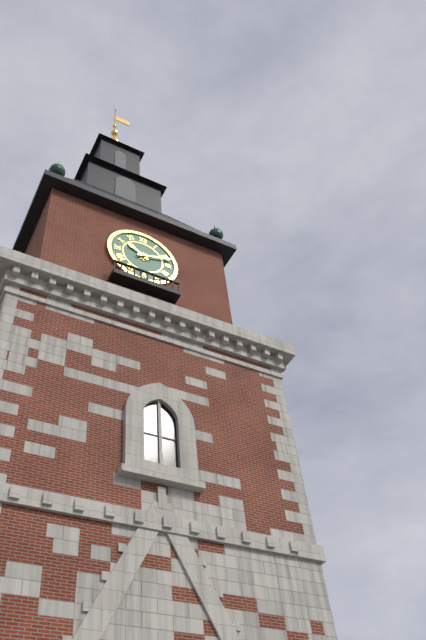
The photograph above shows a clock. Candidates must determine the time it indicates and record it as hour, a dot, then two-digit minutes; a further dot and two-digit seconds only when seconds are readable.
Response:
10.12
